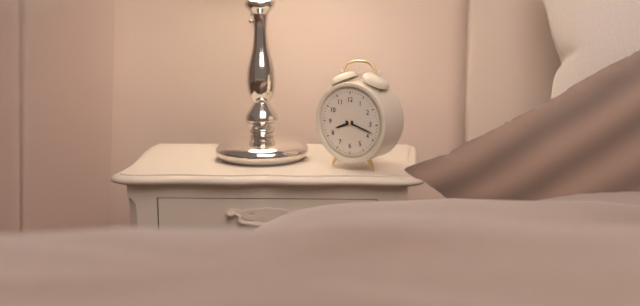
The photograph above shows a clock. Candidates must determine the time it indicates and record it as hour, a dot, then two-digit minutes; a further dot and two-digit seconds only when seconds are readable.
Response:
8.18
